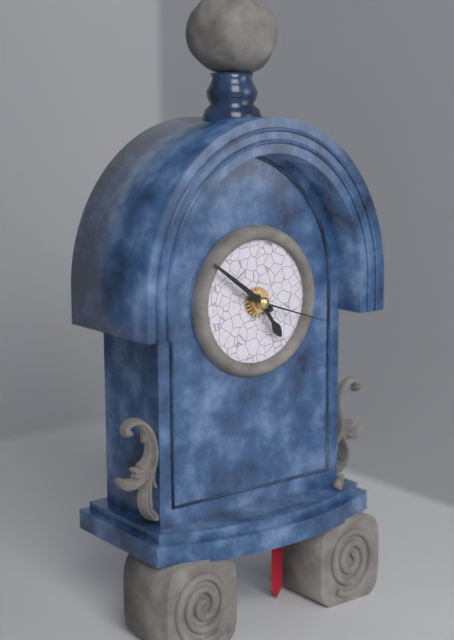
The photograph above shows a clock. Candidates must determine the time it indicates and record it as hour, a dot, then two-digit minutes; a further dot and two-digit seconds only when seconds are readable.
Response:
4.51.18
